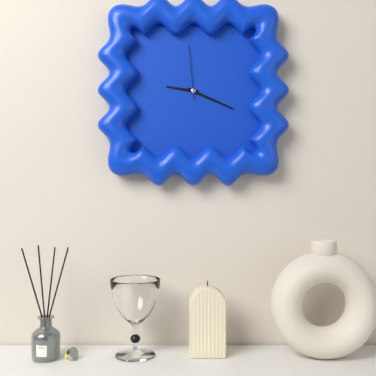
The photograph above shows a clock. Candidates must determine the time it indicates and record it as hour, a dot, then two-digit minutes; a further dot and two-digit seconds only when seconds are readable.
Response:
9.19.59
